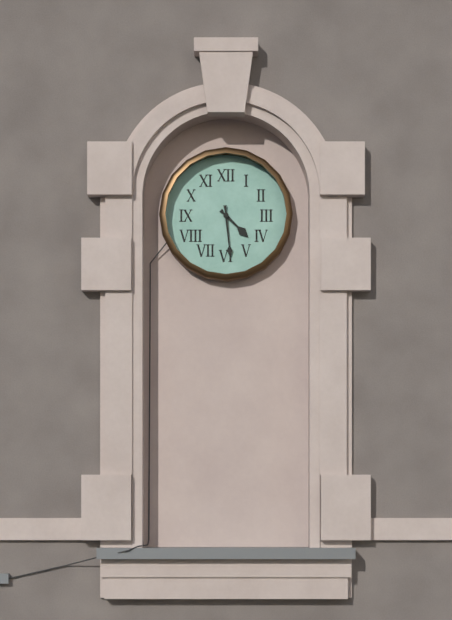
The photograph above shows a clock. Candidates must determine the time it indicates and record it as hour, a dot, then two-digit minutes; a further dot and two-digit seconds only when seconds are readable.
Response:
4.29
